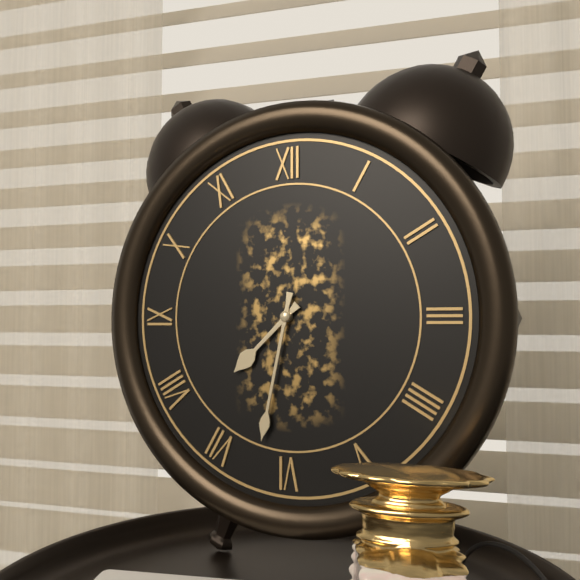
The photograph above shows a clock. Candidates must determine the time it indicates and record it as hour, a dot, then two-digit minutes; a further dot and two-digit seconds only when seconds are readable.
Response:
7.32
